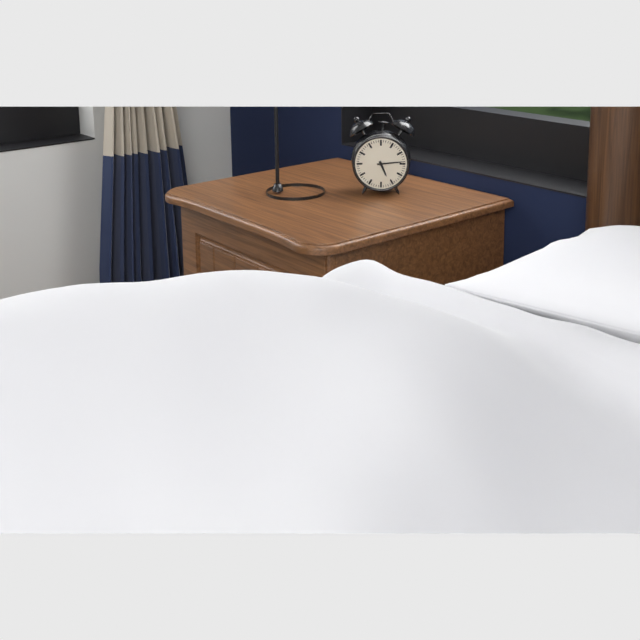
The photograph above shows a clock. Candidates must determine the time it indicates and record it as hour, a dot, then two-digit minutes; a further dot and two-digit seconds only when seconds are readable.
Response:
5.14
